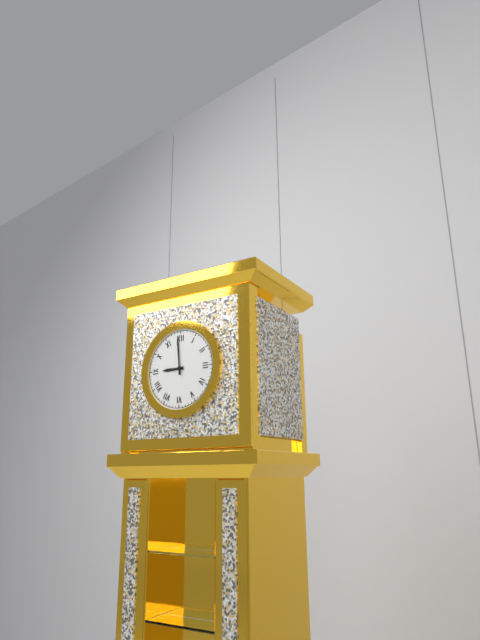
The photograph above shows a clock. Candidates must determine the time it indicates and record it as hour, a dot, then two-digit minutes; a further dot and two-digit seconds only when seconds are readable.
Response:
8.59
